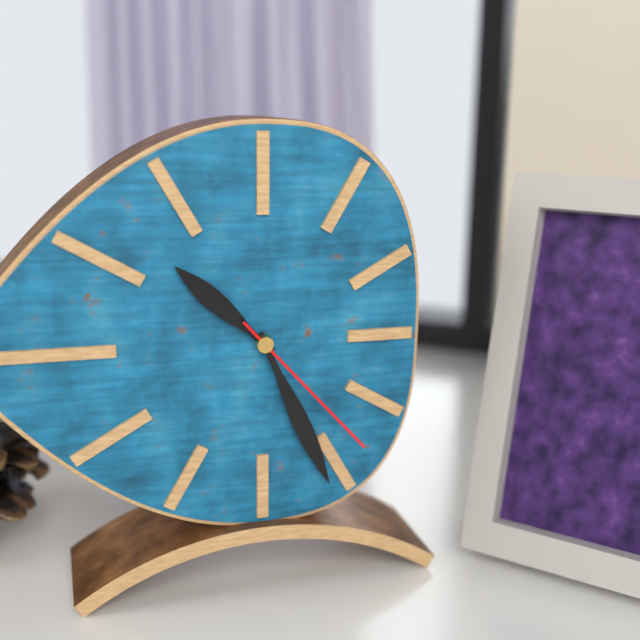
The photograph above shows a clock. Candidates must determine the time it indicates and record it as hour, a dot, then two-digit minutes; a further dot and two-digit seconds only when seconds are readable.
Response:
10.26.23
